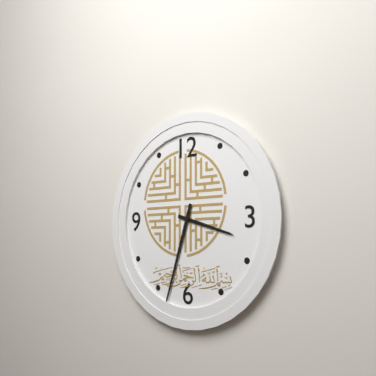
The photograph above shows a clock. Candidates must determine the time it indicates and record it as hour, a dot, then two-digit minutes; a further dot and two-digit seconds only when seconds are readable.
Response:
3.33
